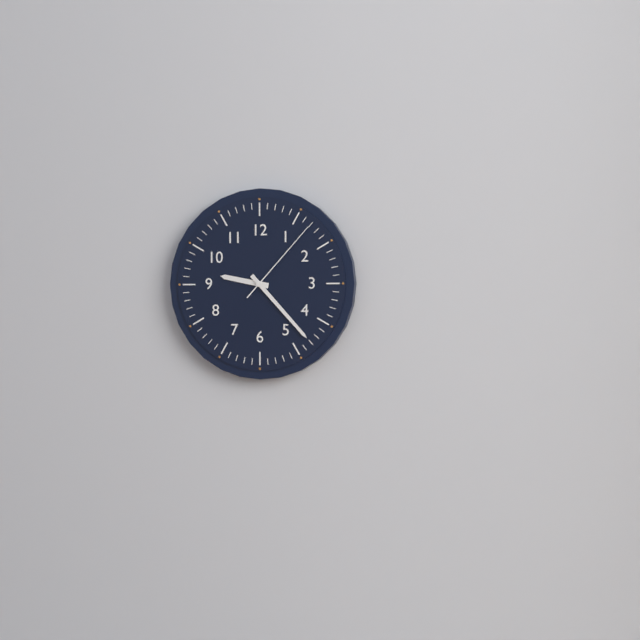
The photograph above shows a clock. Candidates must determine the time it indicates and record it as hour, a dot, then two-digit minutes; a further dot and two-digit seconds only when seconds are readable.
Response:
9.23.07
